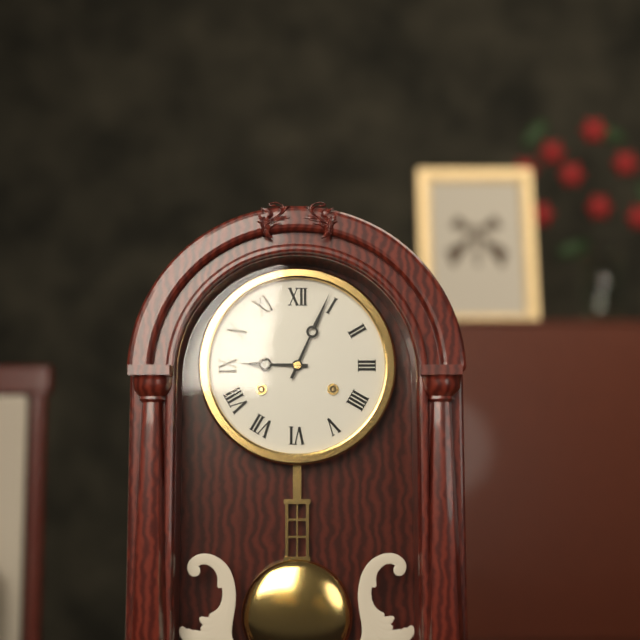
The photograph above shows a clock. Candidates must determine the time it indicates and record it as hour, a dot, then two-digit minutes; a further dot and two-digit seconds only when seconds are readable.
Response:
9.04
